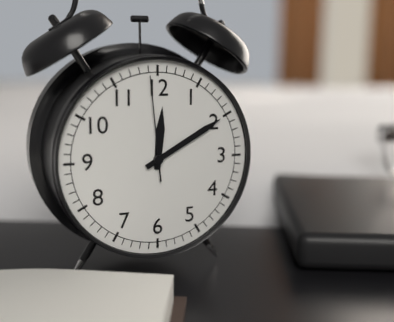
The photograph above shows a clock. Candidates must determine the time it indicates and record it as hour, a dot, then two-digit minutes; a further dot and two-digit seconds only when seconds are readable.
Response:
12.10.59
